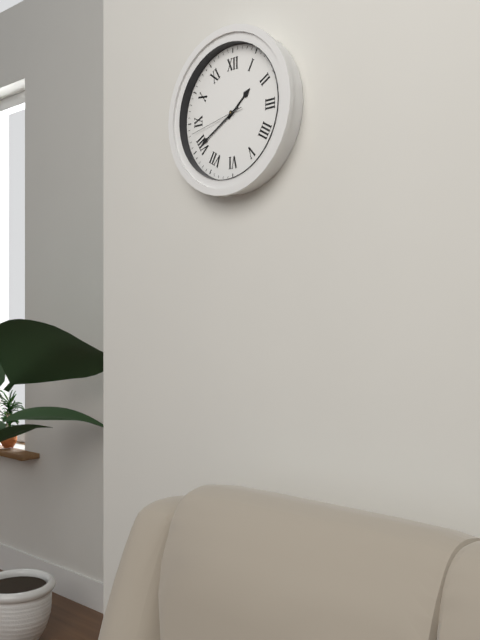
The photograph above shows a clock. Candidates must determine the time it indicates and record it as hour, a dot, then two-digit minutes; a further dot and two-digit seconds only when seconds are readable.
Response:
1.40.43
